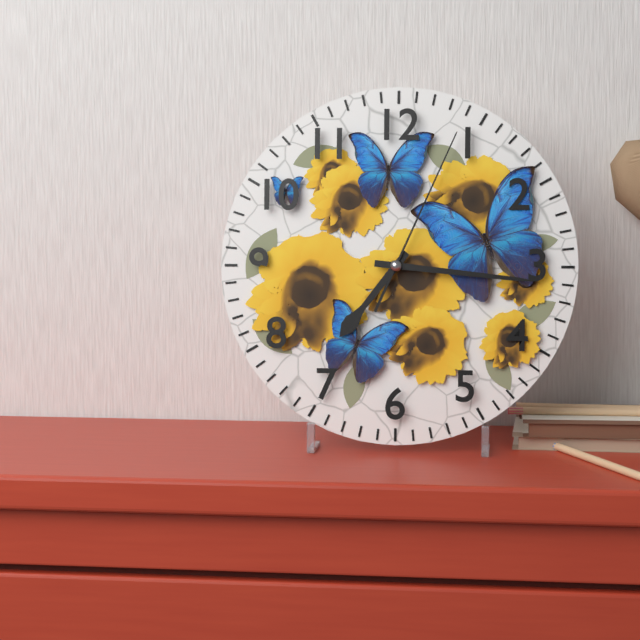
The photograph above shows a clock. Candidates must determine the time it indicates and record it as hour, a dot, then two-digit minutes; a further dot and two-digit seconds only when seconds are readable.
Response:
7.16.04
